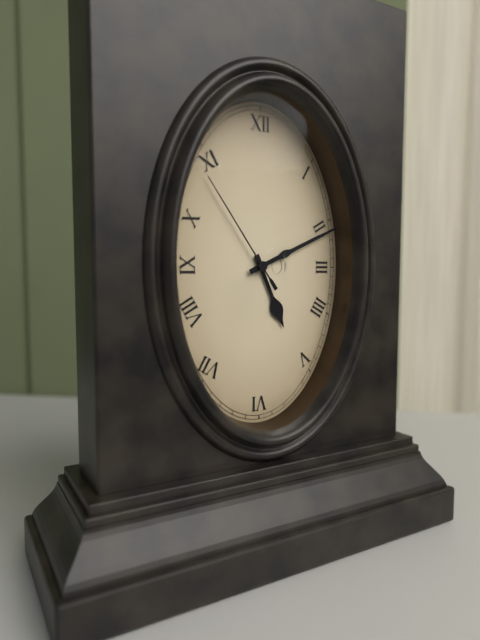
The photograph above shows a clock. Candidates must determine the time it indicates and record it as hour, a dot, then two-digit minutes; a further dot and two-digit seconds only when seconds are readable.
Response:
5.11.54
